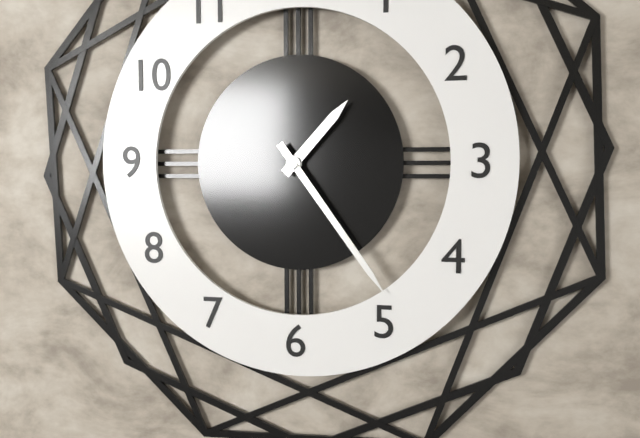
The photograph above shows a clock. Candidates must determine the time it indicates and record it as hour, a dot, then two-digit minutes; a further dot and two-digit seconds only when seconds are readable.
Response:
1.24
